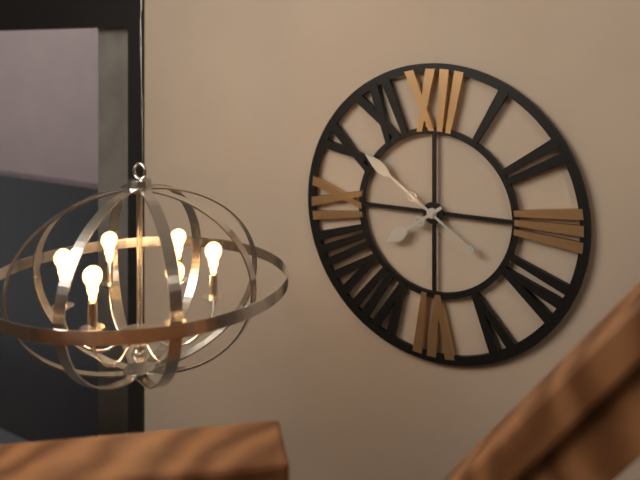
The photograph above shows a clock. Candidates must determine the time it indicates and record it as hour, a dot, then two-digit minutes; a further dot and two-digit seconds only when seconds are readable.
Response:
7.51
